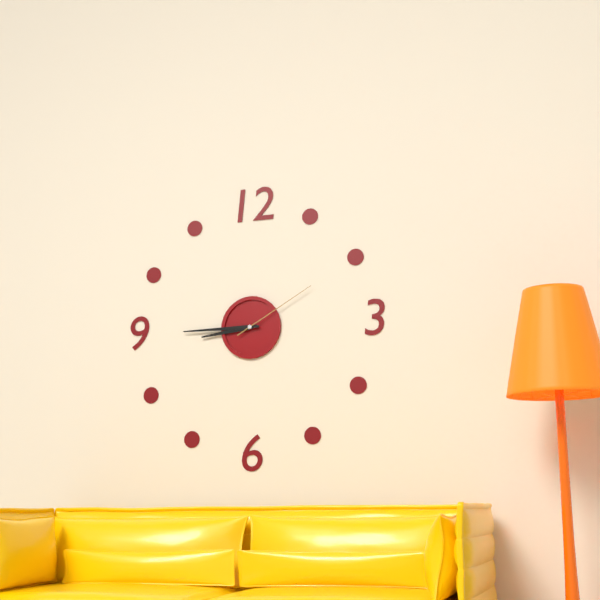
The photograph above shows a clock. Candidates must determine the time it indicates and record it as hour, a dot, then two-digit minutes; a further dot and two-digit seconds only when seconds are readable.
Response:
8.45.10
